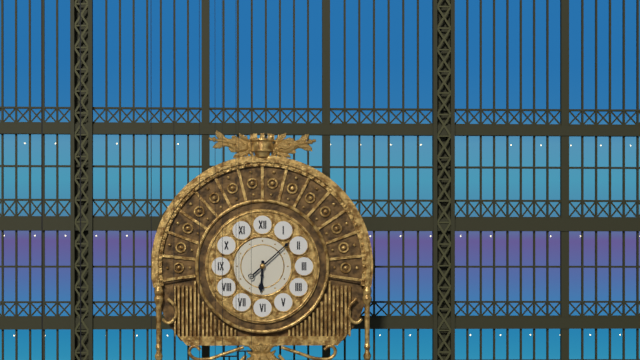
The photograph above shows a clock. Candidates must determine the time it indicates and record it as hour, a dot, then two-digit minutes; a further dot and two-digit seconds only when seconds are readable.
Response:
6.08
